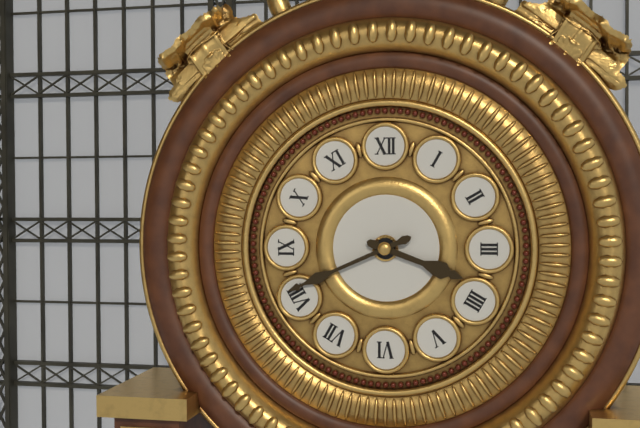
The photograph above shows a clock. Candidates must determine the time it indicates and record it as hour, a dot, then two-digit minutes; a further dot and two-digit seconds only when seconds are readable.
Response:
3.41
